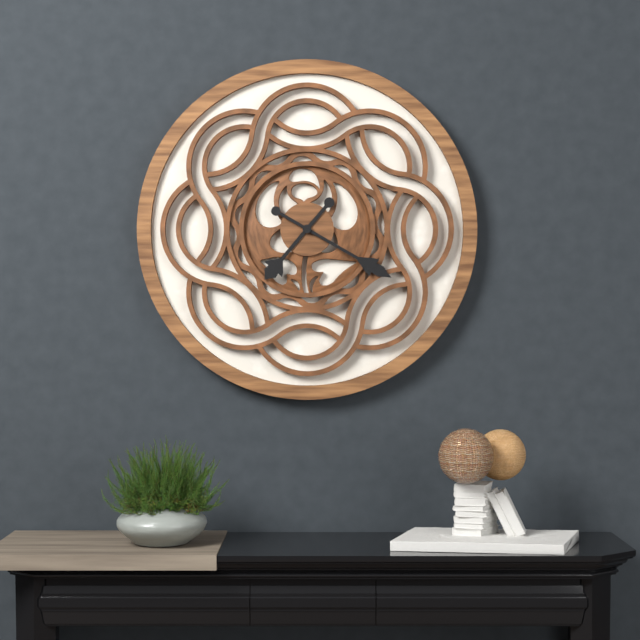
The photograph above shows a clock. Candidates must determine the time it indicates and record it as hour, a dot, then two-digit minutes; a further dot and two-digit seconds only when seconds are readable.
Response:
7.20
